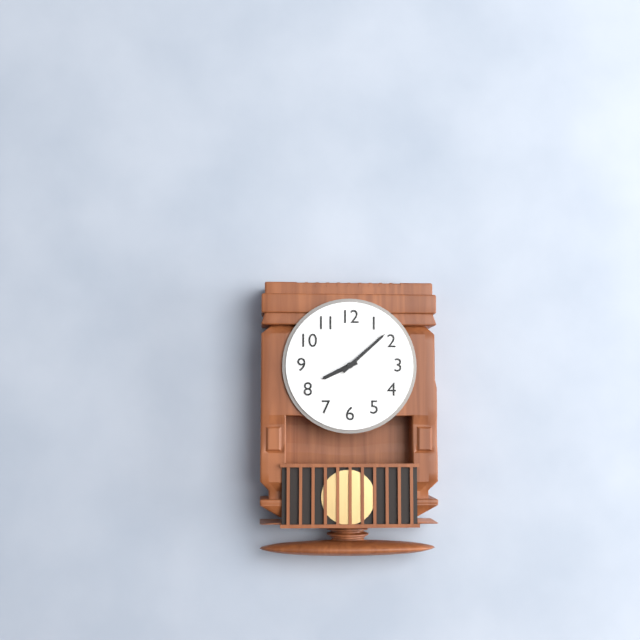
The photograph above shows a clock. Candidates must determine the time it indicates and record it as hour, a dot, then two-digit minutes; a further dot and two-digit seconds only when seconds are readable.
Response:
8.08
